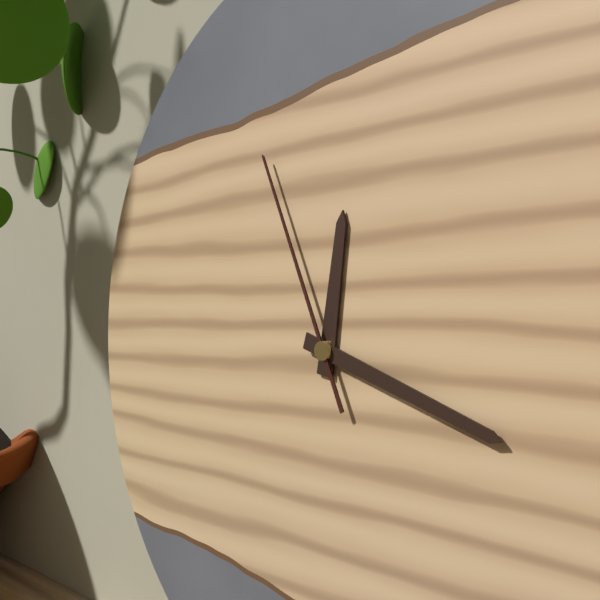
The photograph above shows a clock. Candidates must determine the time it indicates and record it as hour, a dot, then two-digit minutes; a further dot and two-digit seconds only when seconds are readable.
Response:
12.18.56
